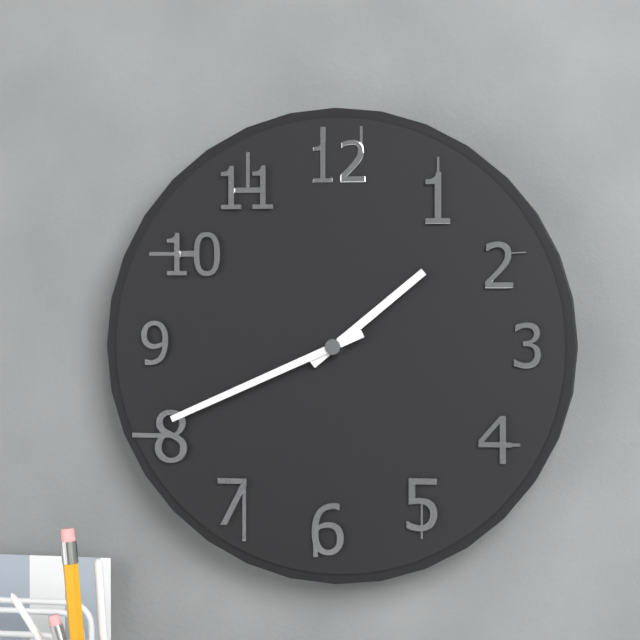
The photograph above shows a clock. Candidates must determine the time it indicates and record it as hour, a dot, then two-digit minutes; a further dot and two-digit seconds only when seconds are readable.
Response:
1.41
